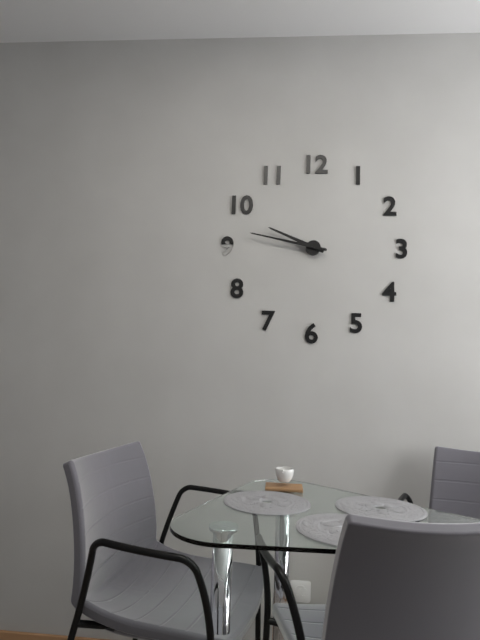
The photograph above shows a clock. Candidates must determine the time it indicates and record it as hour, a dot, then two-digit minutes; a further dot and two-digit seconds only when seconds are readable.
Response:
9.47
